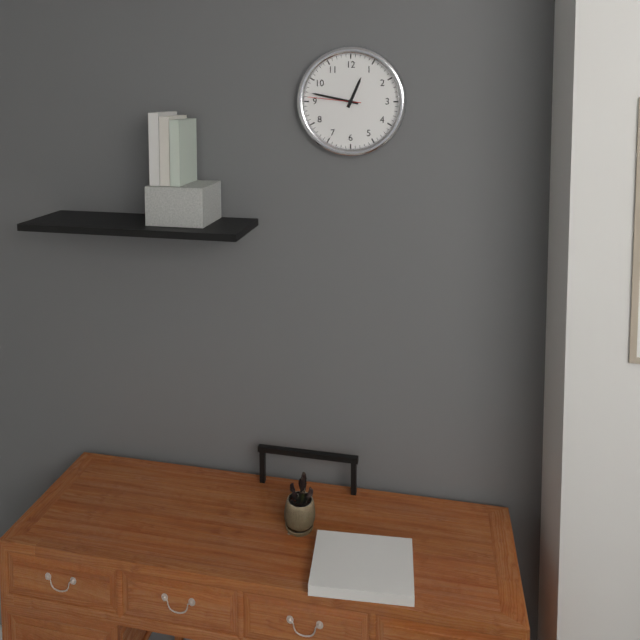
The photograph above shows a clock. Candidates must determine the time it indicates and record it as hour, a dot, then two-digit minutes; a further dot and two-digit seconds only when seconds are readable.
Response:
12.47.46
